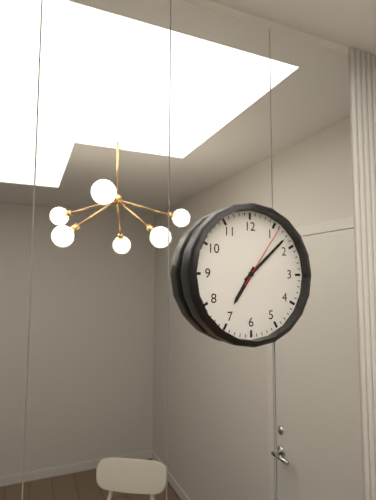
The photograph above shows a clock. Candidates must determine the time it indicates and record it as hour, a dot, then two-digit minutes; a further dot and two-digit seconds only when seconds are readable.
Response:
7.08.06
